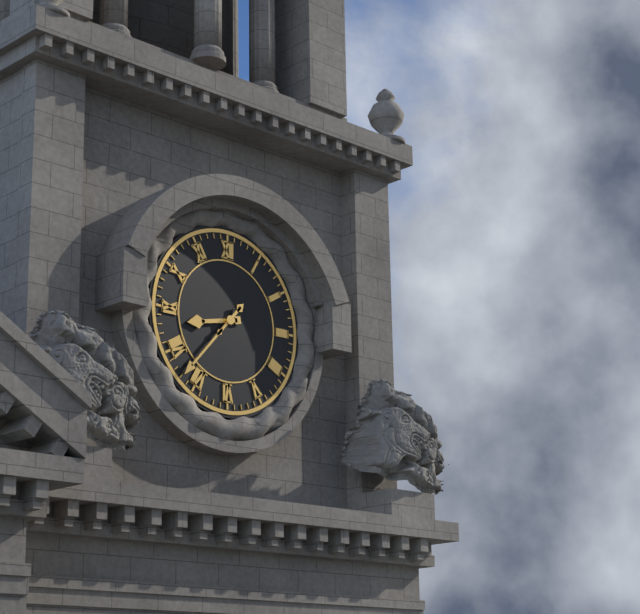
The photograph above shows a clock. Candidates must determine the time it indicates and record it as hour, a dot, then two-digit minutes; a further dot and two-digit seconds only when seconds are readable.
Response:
8.37
